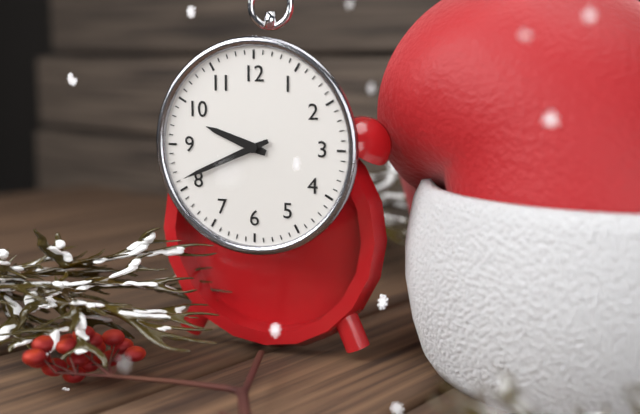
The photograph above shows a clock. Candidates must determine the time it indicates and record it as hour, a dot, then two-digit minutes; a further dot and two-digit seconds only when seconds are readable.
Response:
9.41
